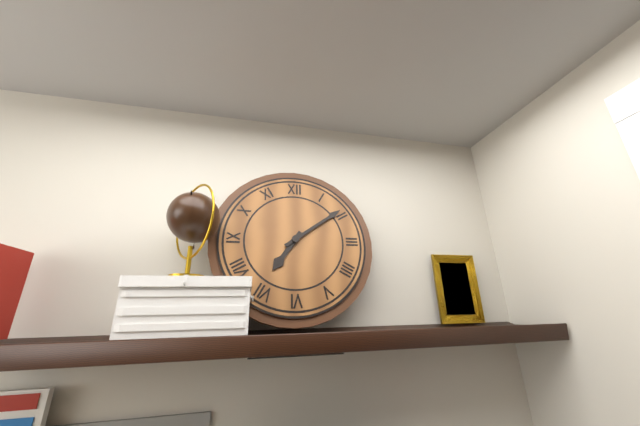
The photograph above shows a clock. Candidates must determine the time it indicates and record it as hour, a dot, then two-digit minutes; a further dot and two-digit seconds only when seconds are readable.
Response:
7.09
